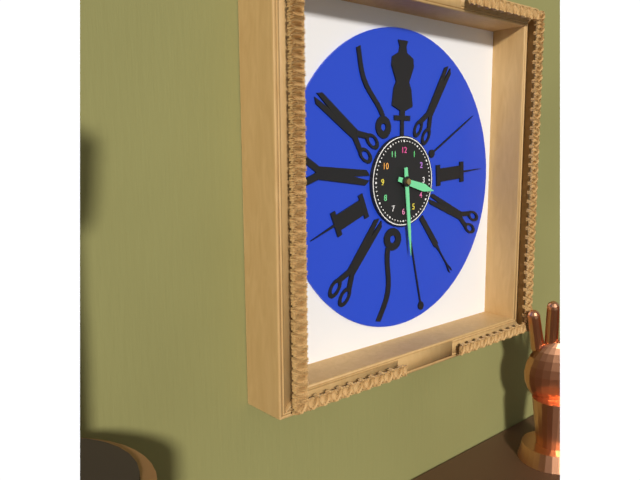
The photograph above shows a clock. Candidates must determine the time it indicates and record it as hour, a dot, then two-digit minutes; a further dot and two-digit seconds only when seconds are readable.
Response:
3.29
